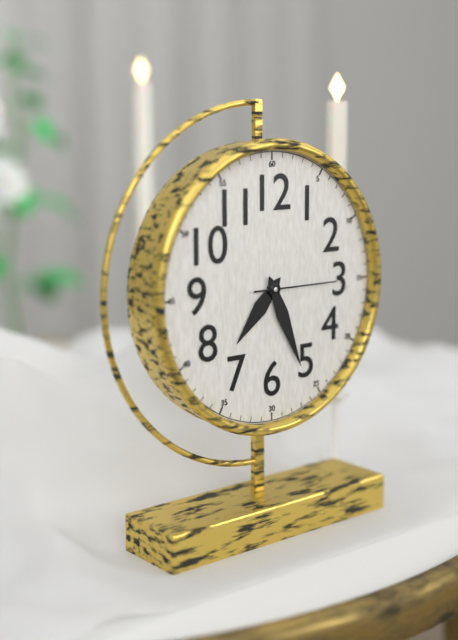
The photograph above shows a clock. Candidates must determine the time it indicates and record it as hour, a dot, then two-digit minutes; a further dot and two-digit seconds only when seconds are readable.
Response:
7.26.15
